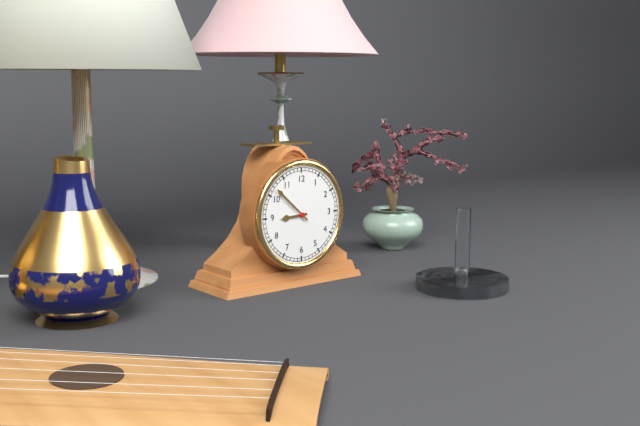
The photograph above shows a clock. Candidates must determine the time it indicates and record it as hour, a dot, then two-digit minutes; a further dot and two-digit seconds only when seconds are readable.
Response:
8.52
